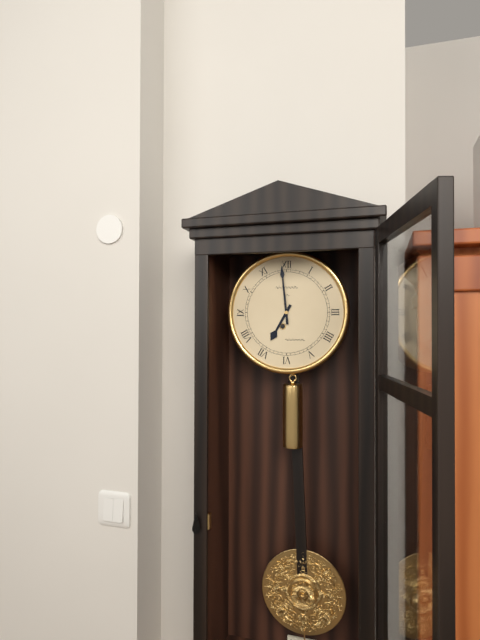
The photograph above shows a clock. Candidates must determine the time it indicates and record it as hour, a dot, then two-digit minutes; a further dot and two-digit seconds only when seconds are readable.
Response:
6.59
